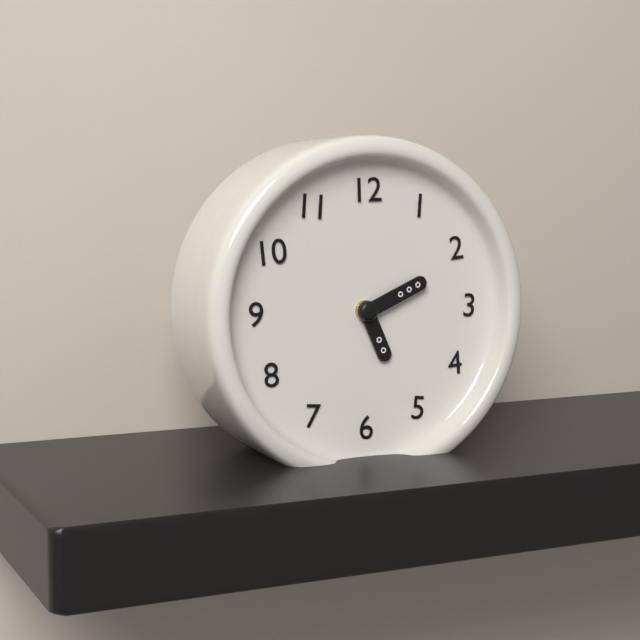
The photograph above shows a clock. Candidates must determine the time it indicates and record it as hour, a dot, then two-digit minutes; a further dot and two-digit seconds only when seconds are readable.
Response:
5.11
